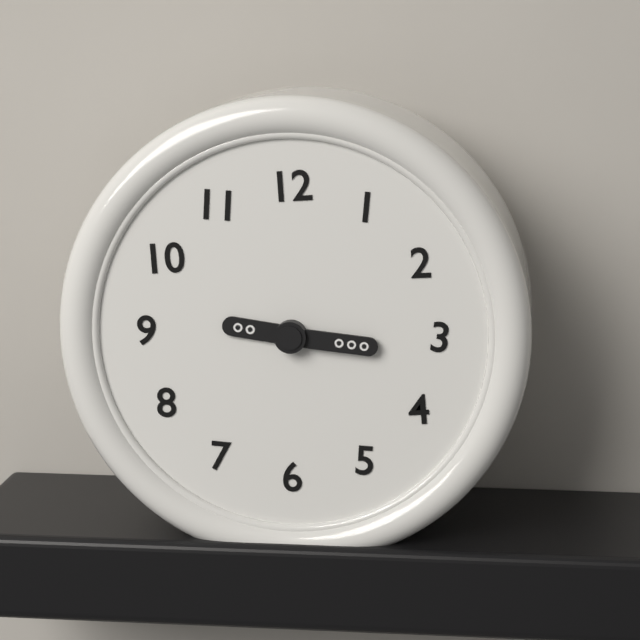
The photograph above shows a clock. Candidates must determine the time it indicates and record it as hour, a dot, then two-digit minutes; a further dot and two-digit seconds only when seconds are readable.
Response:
9.16
